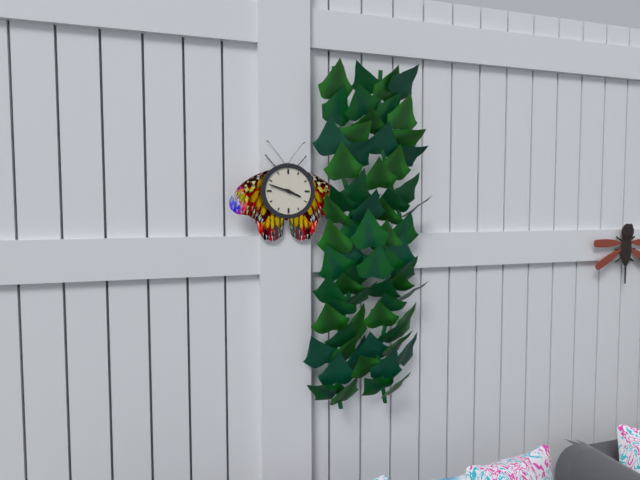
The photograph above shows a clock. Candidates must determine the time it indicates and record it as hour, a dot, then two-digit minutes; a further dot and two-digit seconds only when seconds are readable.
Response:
3.48
